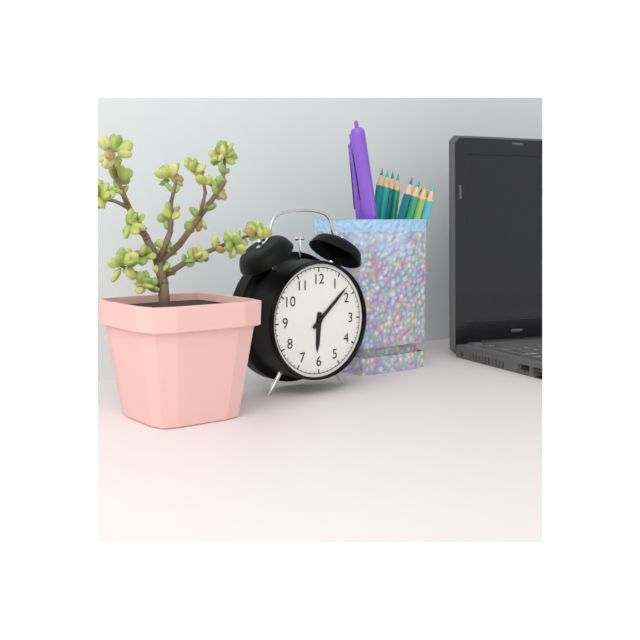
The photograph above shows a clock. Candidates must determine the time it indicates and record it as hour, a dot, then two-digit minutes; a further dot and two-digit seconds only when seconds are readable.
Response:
6.08
